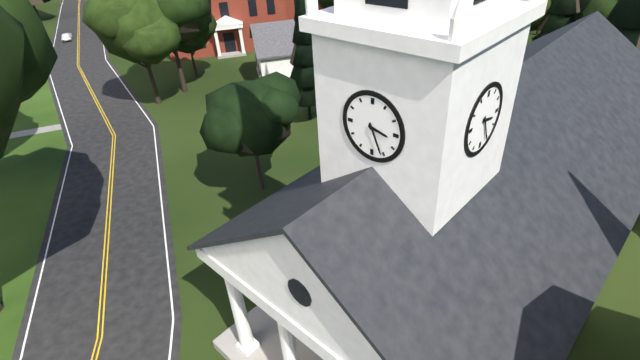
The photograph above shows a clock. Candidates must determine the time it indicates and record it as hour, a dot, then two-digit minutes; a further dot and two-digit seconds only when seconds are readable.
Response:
3.26
